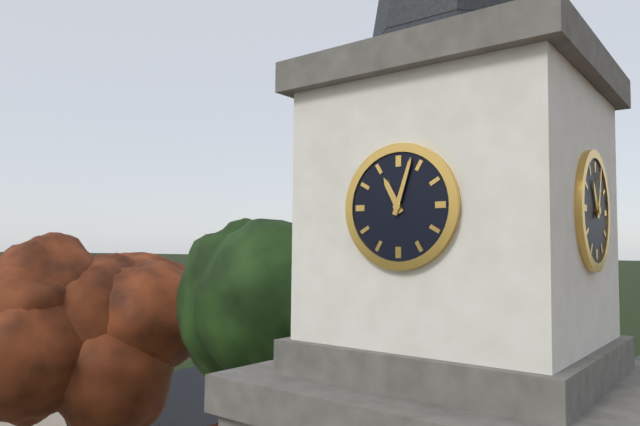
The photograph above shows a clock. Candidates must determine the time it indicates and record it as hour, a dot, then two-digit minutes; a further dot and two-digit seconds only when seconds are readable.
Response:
11.03
